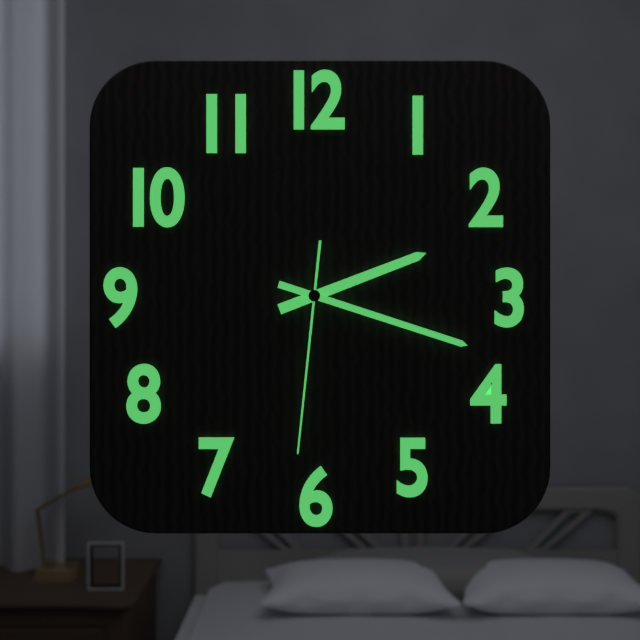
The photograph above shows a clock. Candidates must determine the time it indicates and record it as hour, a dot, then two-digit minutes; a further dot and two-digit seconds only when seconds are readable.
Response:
2.18.31
